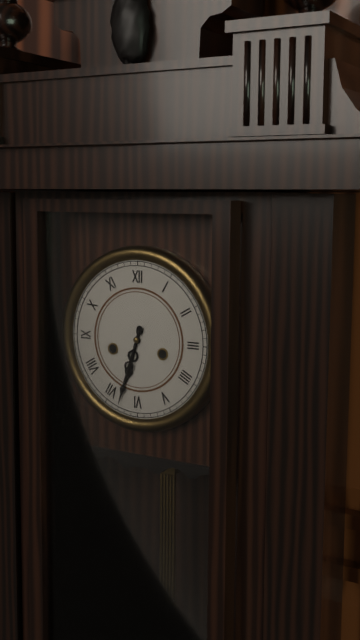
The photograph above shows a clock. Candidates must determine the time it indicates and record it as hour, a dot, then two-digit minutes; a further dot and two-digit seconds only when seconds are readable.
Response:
6.33
